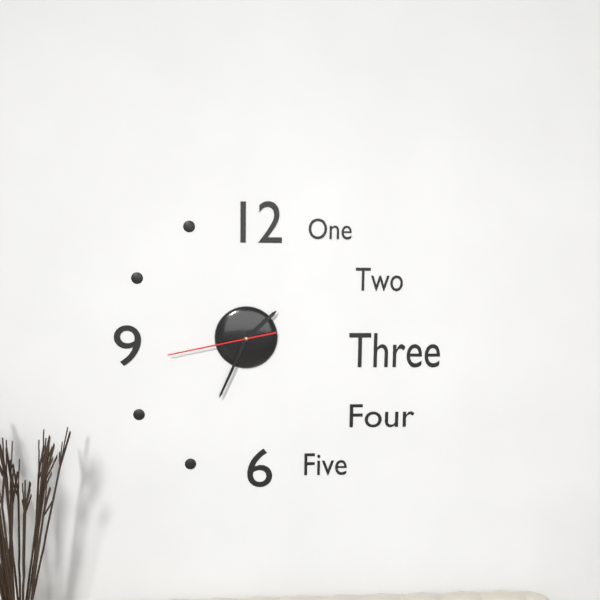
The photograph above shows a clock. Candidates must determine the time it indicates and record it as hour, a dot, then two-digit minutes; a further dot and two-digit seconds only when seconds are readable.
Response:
1.34.43
